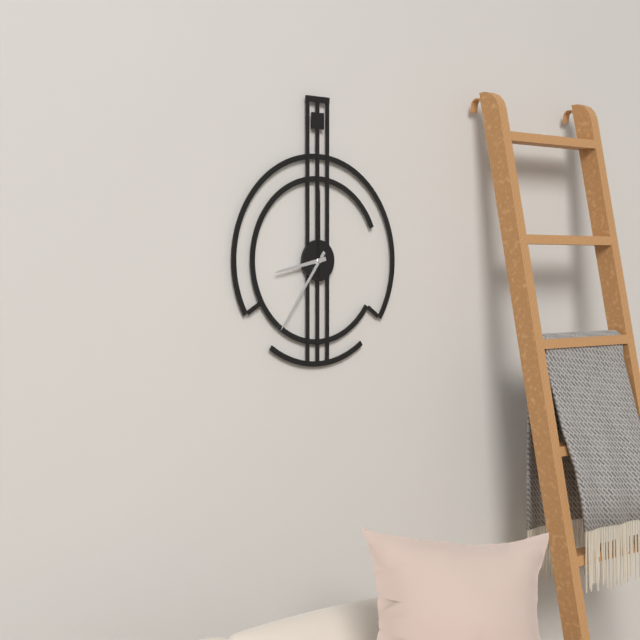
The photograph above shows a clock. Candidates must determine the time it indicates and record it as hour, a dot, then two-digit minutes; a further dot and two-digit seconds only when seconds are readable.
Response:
8.36.00
